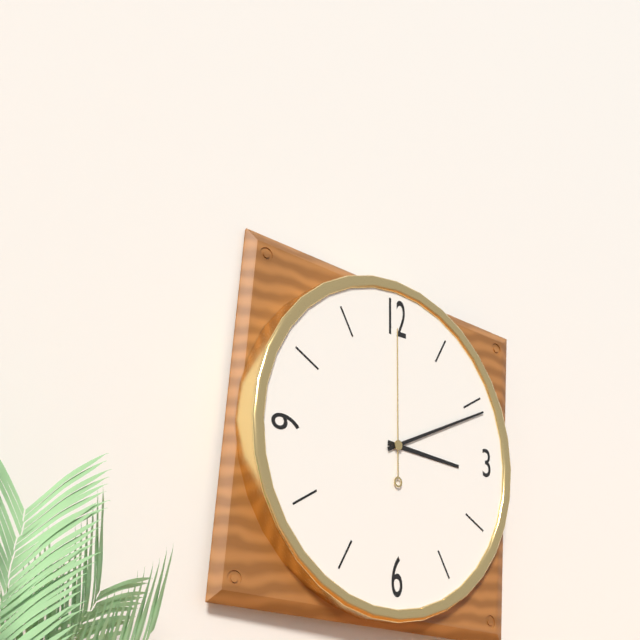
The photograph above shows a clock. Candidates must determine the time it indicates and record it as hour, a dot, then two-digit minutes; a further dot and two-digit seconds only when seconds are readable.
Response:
3.11.00
